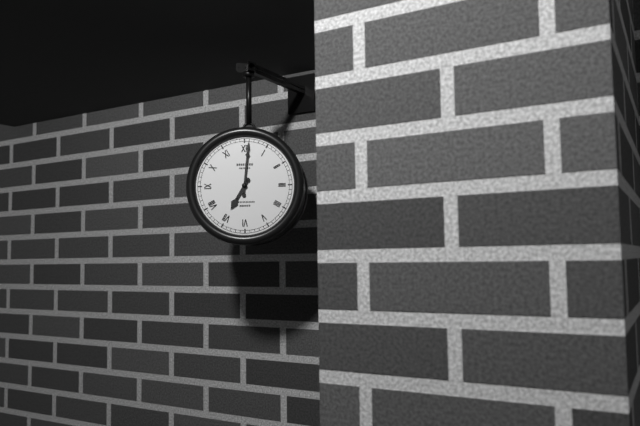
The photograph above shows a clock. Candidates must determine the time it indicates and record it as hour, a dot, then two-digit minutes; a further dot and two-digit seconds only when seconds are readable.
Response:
7.01
